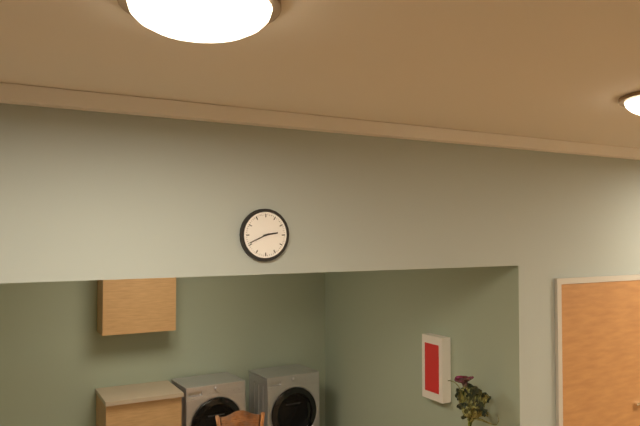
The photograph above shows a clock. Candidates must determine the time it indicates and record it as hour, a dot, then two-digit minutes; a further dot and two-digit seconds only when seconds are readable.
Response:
2.41
